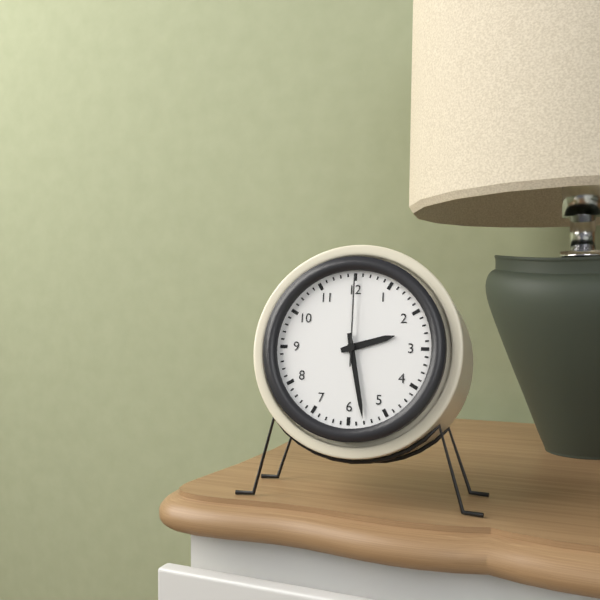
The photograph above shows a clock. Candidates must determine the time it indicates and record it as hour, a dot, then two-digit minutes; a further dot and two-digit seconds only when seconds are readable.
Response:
2.28.00
